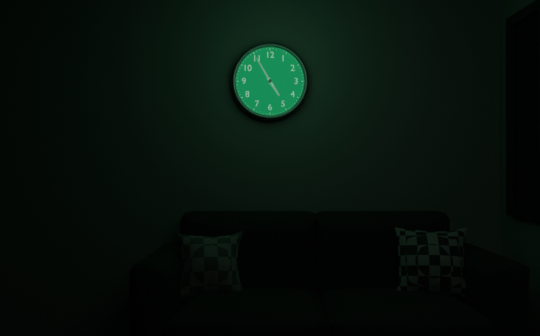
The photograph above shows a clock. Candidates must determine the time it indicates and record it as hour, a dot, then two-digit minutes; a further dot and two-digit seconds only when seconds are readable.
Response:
4.55
